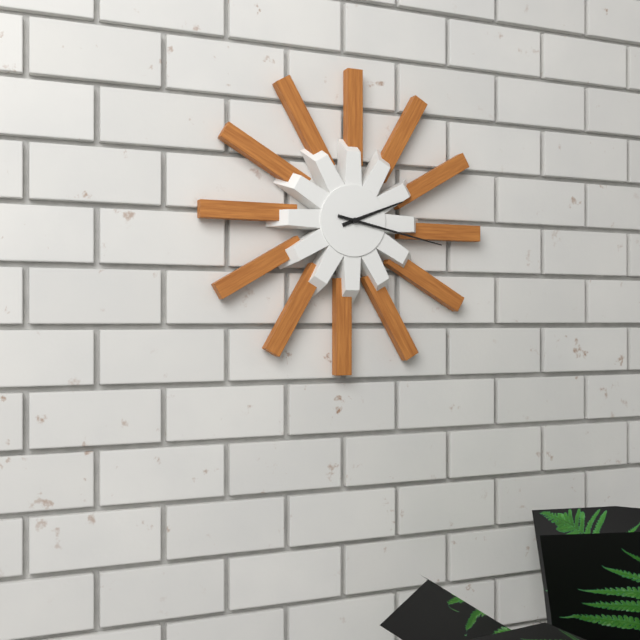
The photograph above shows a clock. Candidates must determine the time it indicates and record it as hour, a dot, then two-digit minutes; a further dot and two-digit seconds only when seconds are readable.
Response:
2.17
